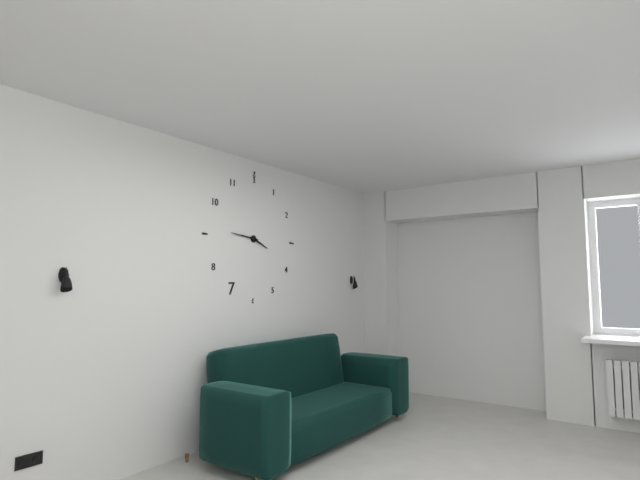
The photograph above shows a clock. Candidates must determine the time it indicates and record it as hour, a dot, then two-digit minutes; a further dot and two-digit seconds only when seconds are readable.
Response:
3.46
